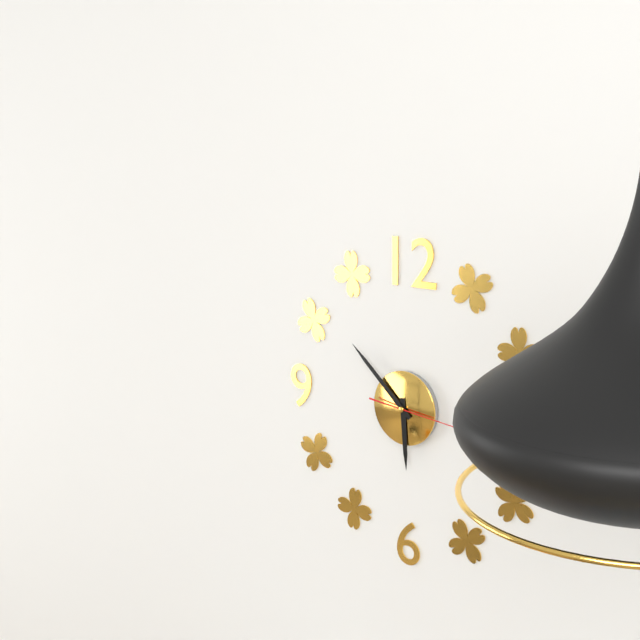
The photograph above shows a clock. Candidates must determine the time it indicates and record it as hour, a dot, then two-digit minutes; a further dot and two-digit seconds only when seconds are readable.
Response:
5.52.16
